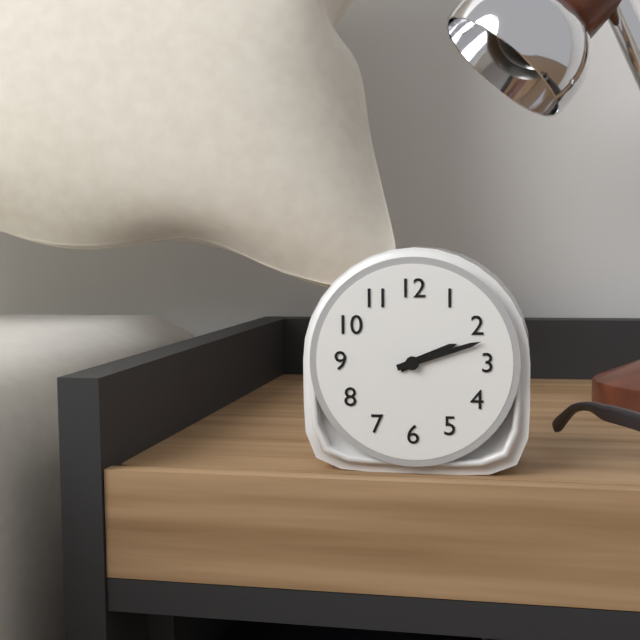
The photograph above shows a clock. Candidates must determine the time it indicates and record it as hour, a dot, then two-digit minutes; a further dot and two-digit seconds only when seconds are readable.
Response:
2.12
